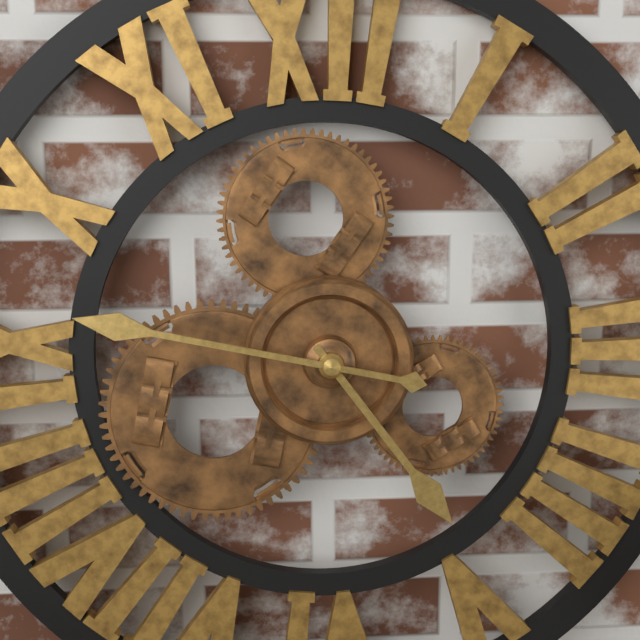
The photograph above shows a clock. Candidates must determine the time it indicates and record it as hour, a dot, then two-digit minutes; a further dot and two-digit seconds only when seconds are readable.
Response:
4.47
